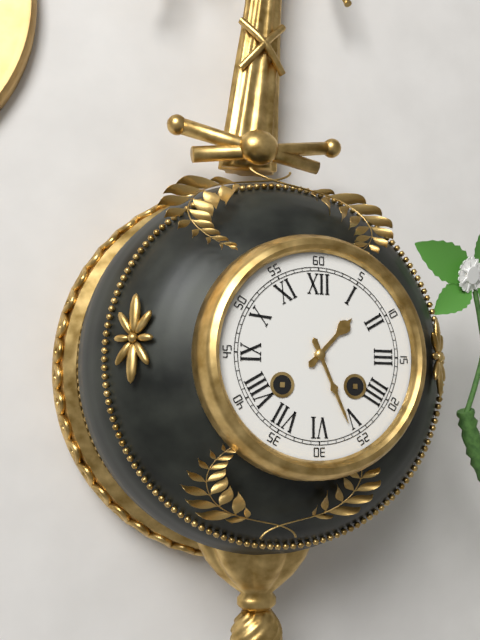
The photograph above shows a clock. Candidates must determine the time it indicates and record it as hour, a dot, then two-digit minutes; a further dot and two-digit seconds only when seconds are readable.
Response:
1.26
